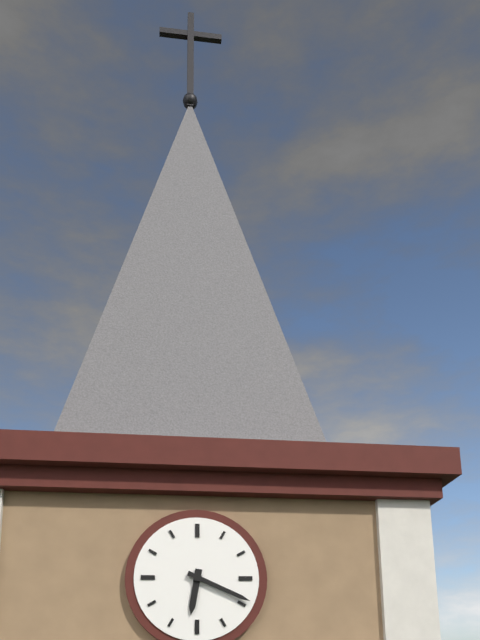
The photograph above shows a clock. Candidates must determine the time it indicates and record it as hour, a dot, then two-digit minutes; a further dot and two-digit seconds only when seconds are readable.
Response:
6.19
